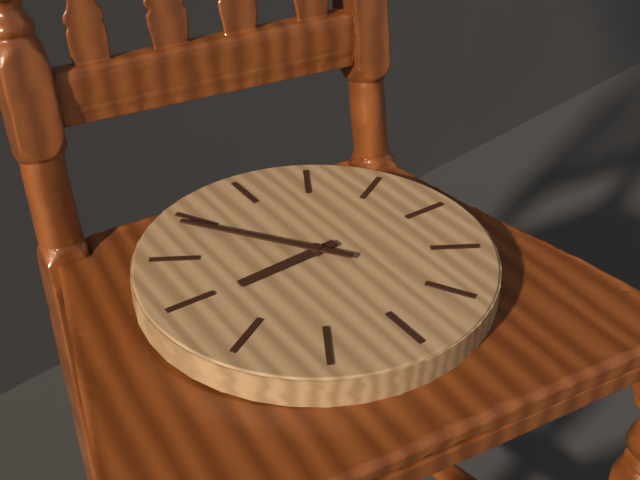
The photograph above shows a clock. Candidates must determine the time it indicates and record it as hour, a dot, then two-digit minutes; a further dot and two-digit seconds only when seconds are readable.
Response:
8.54
